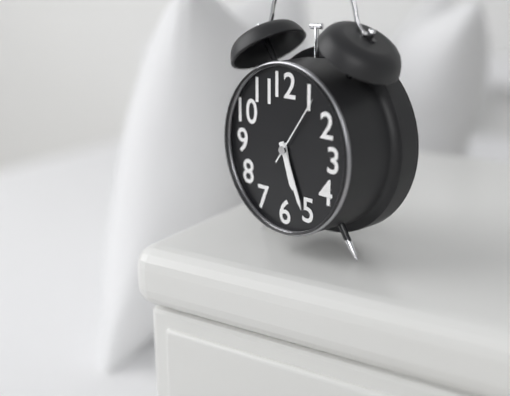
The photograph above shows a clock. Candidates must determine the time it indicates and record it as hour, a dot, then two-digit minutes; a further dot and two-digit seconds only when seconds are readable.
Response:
5.26.06
